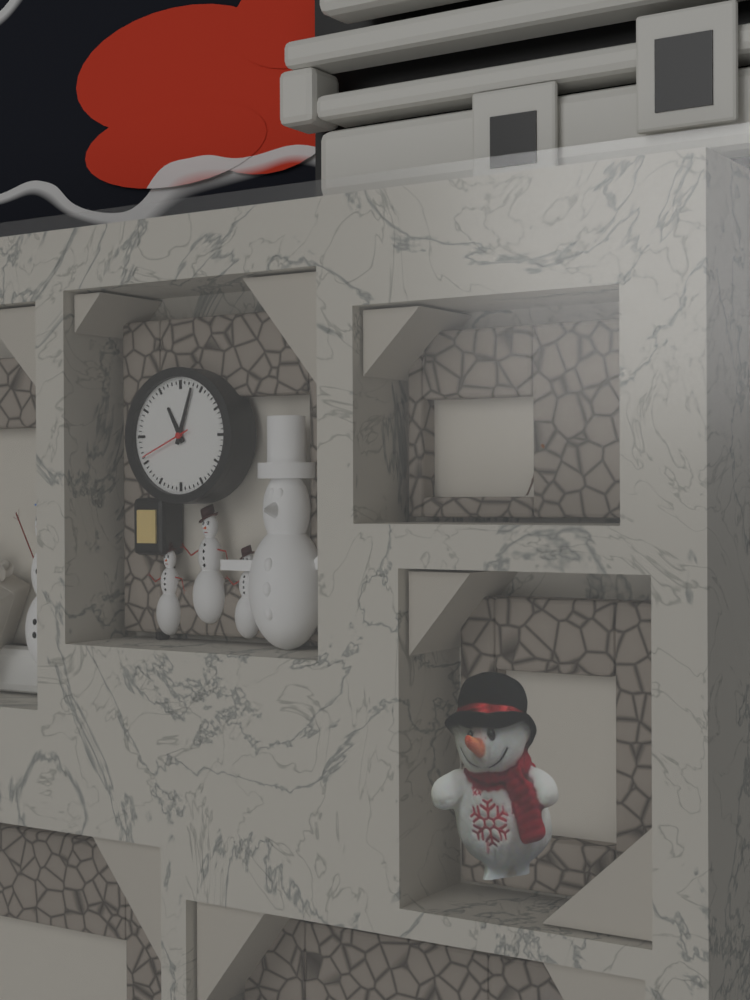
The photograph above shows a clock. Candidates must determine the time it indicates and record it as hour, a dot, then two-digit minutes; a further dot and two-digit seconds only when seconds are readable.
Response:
11.03.41
